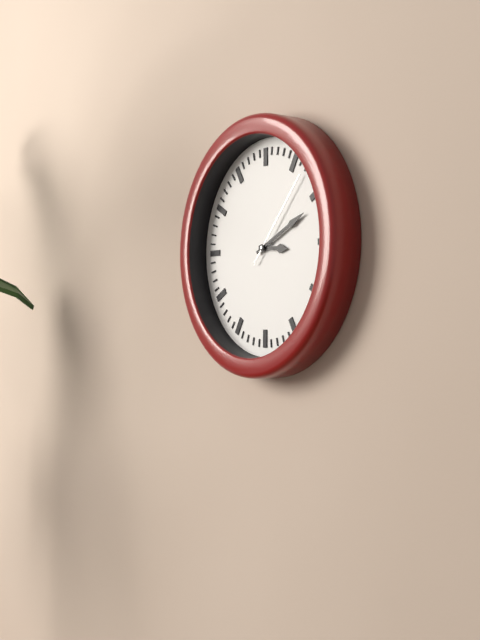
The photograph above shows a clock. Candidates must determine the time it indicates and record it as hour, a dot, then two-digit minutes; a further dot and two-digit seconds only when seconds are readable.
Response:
3.11.07
